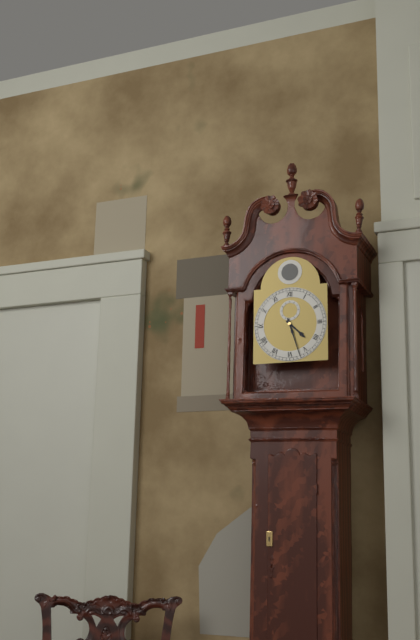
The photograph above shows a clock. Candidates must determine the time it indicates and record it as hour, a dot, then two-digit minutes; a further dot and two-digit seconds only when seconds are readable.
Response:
4.27
